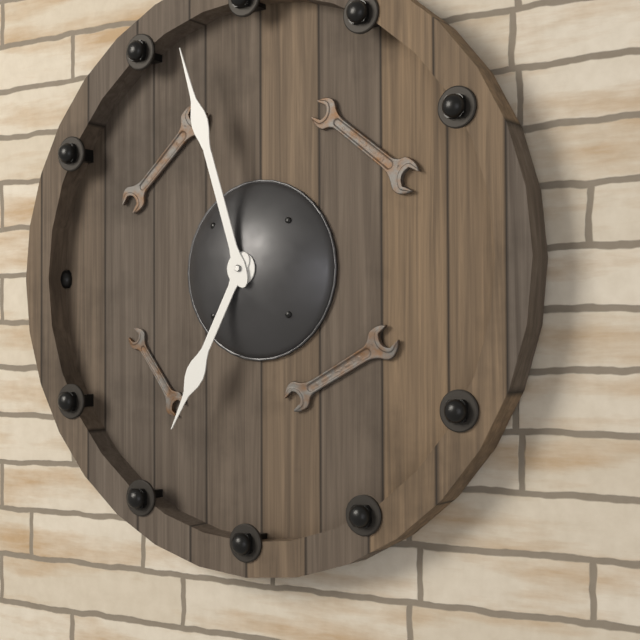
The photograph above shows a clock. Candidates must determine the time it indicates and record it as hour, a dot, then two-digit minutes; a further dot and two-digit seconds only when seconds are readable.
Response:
6.57
